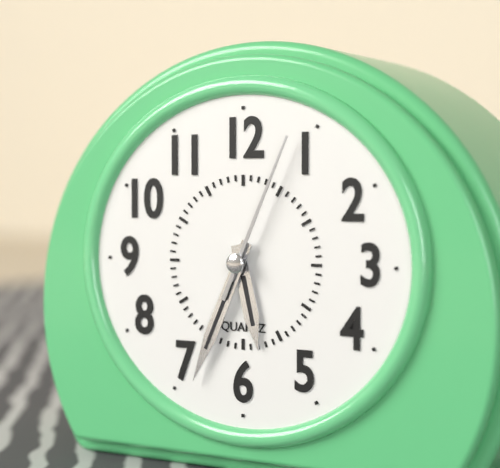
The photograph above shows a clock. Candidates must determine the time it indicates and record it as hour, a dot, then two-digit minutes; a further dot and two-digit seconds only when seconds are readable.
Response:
5.34.04
